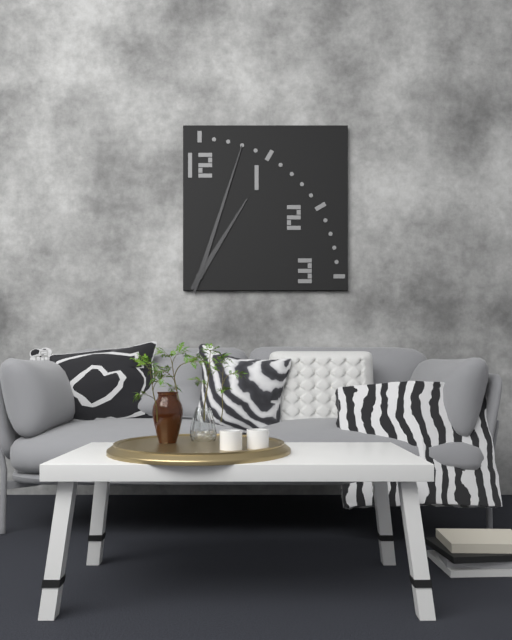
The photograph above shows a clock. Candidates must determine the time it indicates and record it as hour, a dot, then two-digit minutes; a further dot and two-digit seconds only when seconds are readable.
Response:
1.03
